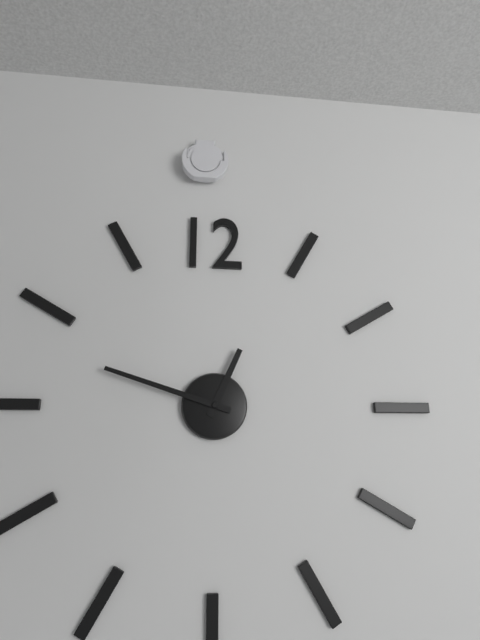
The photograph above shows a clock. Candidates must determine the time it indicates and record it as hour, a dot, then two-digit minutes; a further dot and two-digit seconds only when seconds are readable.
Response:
12.48
